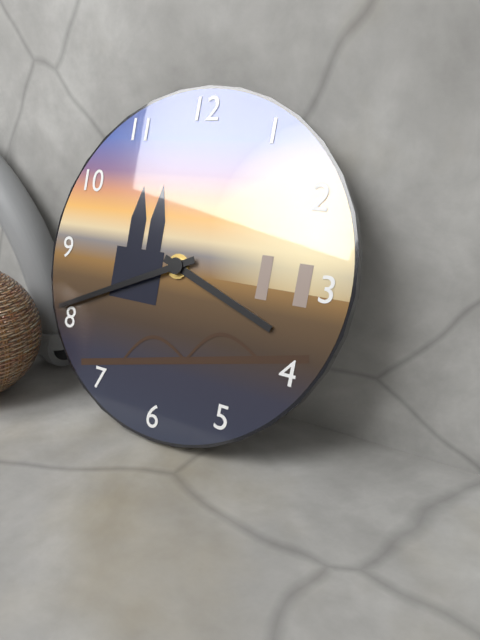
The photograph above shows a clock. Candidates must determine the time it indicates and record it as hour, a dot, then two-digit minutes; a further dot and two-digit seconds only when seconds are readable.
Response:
3.41
